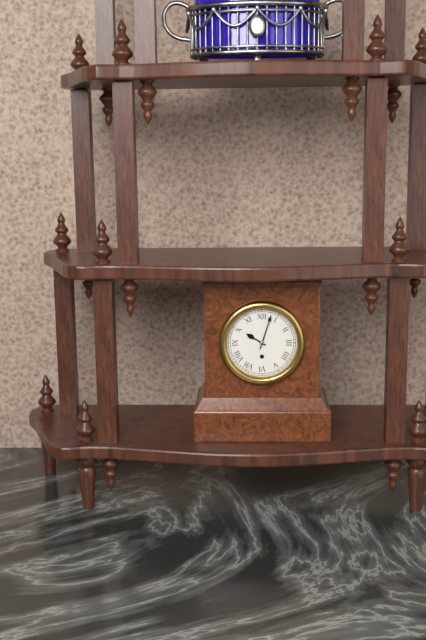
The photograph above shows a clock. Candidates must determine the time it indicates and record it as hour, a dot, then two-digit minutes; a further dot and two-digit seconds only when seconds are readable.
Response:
10.03
